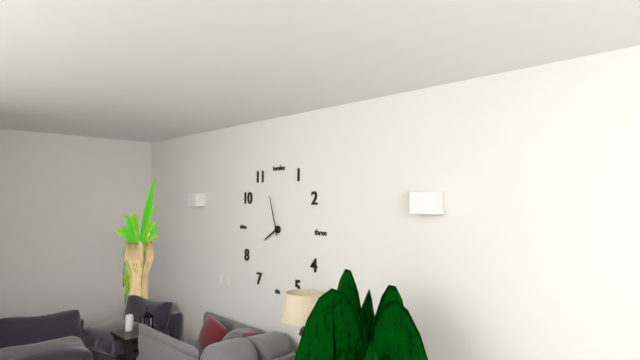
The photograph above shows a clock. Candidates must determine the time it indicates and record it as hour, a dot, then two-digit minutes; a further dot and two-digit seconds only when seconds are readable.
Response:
7.57
